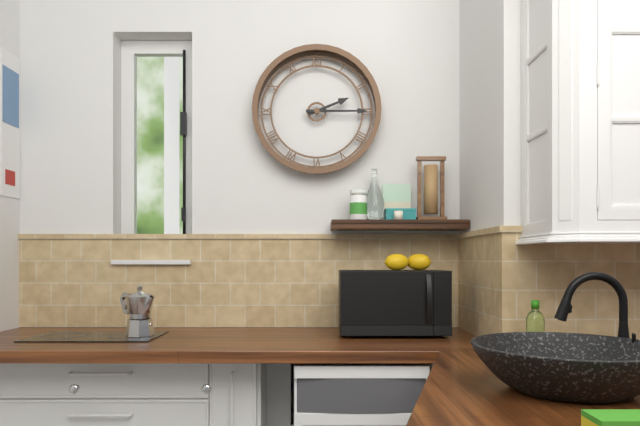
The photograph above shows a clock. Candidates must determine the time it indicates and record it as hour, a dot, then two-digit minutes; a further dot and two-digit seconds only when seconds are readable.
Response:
2.15
